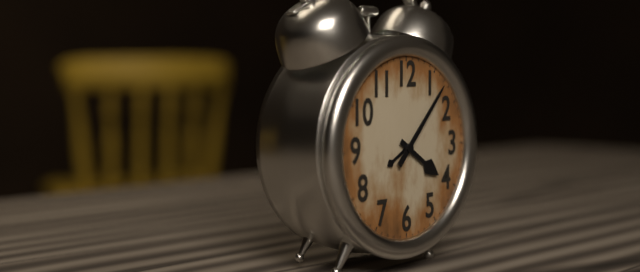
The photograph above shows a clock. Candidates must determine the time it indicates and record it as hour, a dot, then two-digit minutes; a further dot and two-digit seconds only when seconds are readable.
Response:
4.07
